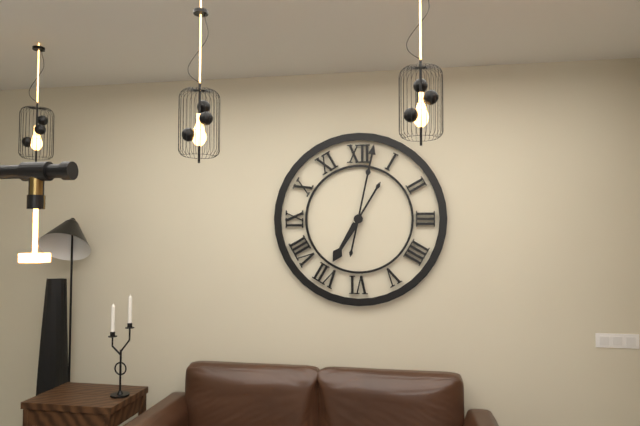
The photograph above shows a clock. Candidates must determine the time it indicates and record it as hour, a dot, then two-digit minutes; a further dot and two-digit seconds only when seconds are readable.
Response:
7.02
